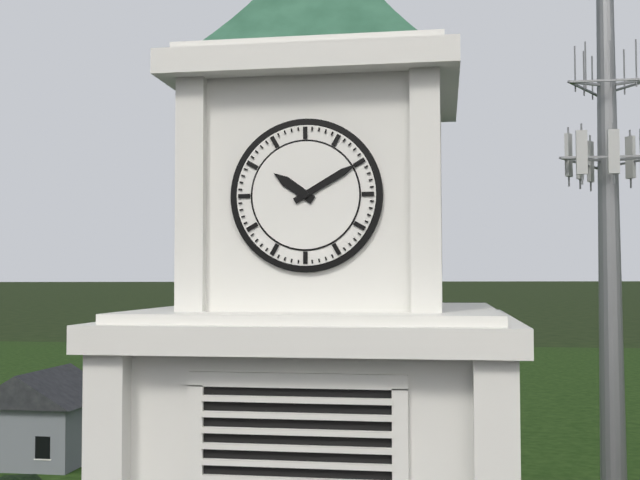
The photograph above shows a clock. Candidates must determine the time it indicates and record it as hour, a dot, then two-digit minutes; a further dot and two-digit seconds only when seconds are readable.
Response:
10.10
